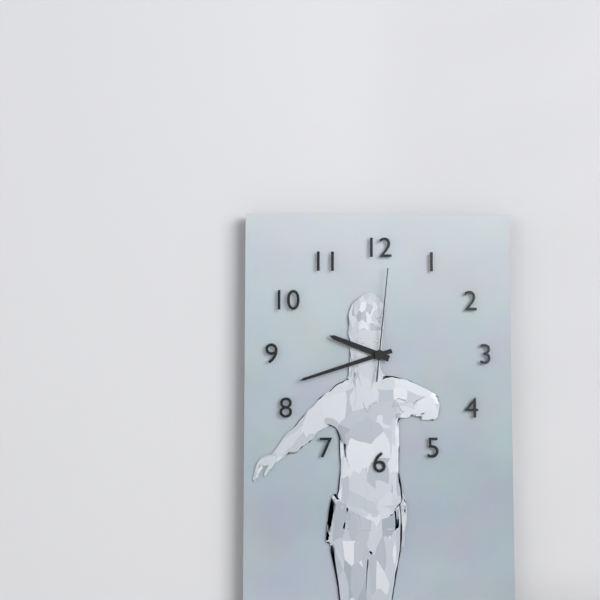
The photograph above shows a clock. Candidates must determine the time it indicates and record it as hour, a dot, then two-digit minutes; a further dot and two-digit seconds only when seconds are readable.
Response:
9.42.01
